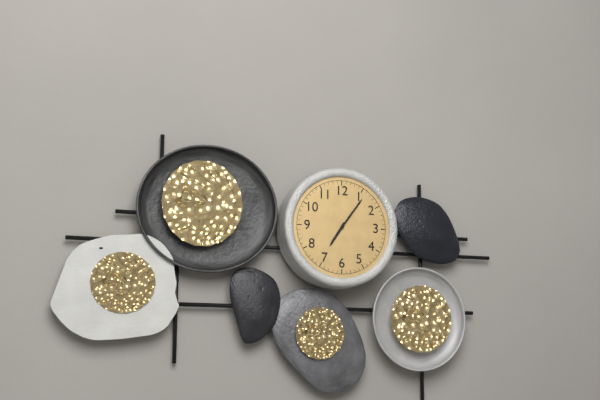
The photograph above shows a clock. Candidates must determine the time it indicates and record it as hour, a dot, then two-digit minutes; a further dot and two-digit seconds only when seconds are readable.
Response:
7.06
